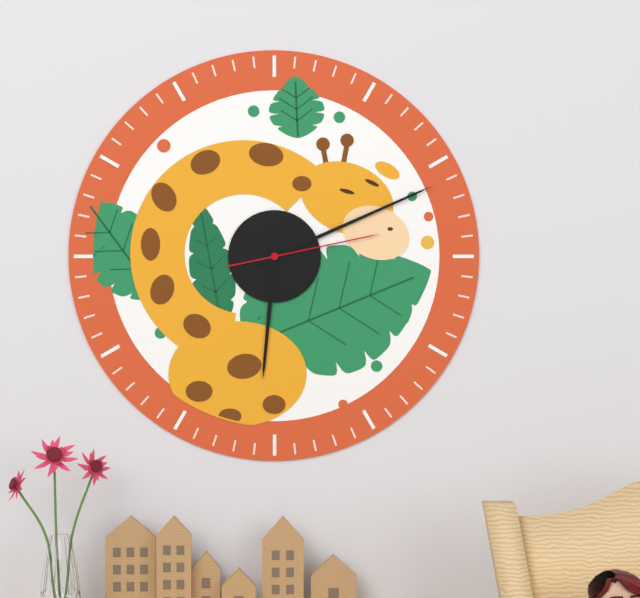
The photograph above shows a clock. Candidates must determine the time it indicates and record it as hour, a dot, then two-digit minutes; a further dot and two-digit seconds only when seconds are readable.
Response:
6.11.13
